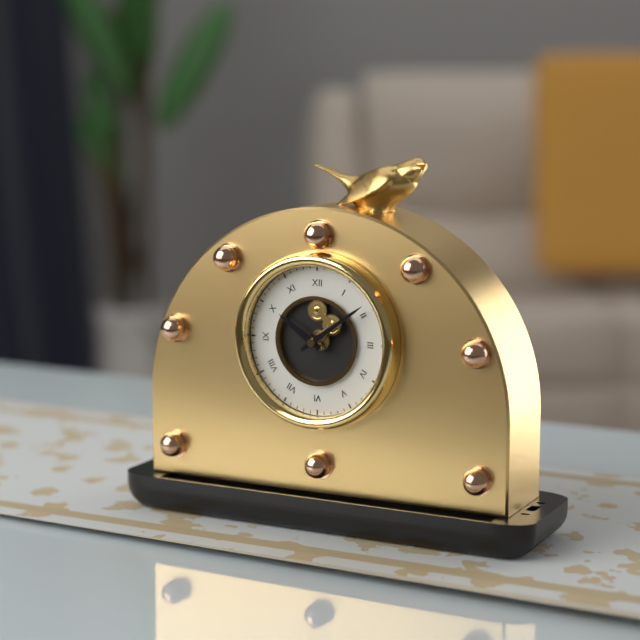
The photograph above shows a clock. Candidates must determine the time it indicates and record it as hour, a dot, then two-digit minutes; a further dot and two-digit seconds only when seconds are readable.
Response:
10.09
